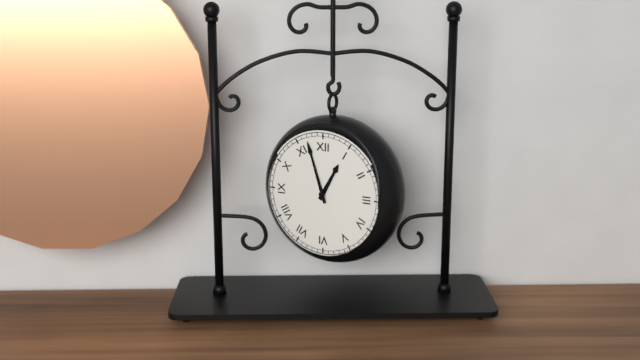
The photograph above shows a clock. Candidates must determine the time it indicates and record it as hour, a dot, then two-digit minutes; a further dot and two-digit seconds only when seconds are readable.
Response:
12.57
